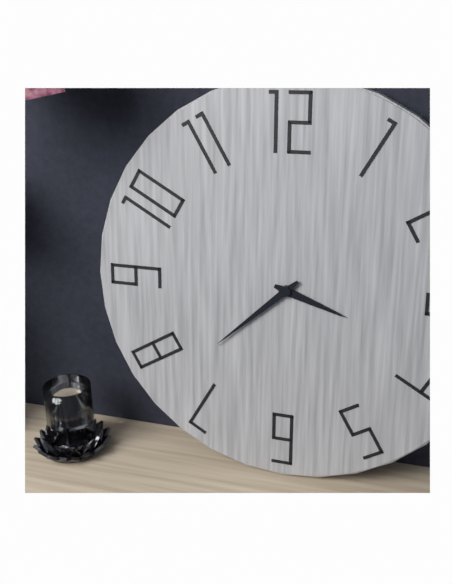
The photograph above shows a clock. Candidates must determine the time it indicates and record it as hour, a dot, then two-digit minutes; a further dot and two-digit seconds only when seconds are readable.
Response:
3.38
